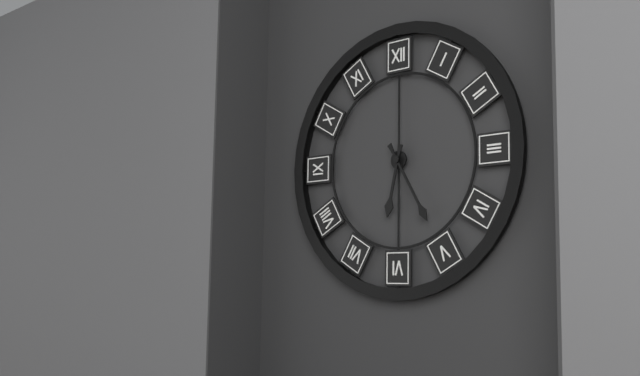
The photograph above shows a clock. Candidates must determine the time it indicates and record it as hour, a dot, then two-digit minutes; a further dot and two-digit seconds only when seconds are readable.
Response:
6.25
